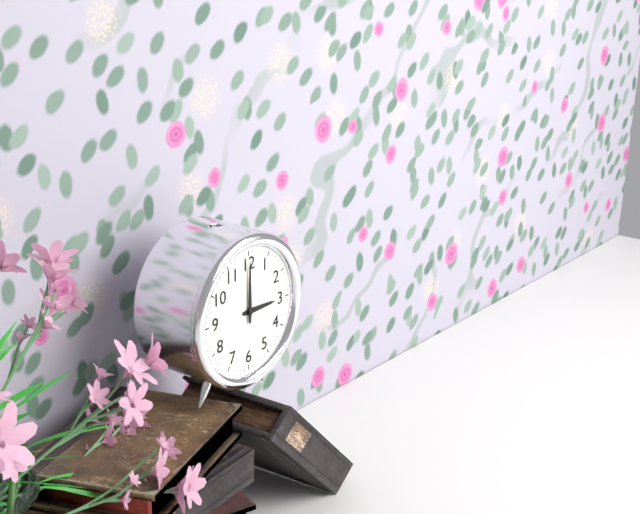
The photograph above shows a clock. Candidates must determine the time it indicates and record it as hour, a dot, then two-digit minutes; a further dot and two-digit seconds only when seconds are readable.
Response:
3.00
